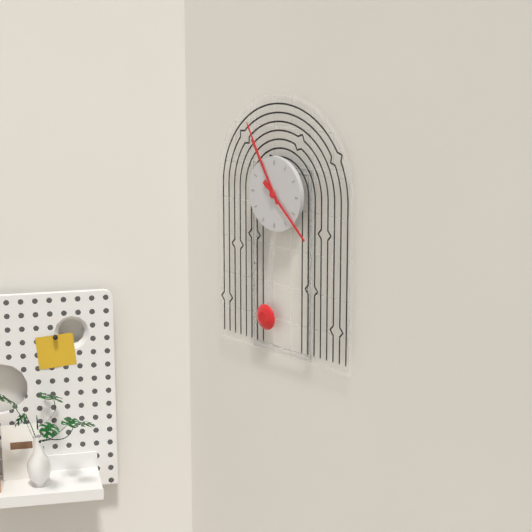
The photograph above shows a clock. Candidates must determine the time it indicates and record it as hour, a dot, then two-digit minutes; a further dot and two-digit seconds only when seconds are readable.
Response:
10.55.22
